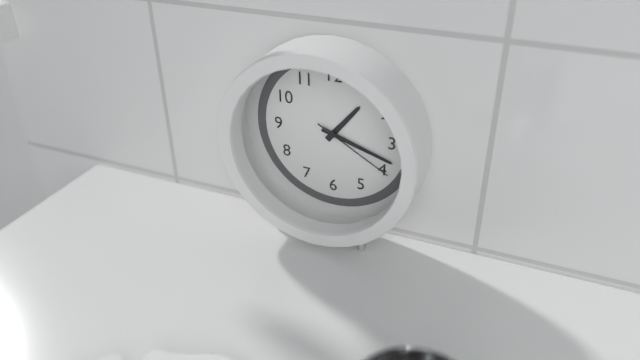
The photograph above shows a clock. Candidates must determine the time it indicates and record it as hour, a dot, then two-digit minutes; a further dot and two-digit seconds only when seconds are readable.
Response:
1.18.20
